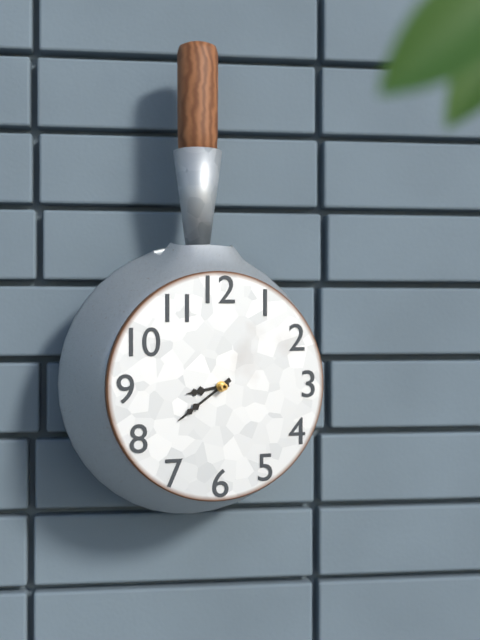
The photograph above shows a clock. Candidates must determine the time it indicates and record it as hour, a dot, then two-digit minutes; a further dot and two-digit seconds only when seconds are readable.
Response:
8.39
